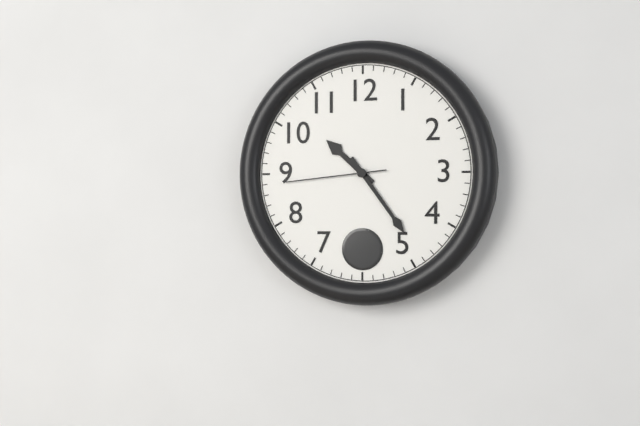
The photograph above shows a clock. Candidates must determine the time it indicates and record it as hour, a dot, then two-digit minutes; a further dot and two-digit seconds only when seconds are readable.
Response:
10.24.44
